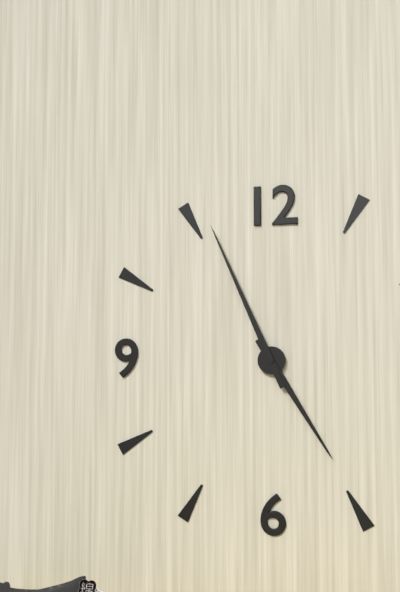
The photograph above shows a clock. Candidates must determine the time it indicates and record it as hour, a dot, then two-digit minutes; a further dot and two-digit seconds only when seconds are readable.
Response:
4.56
